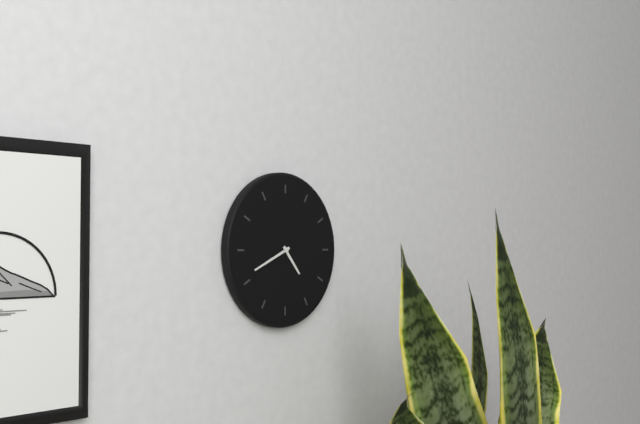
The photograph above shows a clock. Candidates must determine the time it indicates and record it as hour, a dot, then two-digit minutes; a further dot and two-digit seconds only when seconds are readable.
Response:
4.41
